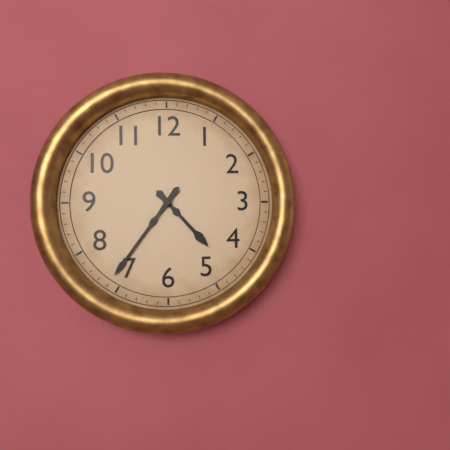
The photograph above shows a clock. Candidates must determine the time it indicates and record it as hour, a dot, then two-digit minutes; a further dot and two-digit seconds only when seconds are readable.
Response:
4.36
